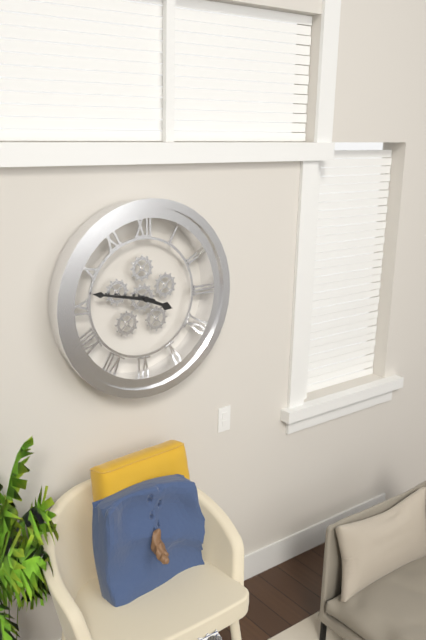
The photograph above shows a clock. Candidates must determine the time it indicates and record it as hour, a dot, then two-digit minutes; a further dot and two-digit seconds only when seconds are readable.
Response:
3.47
